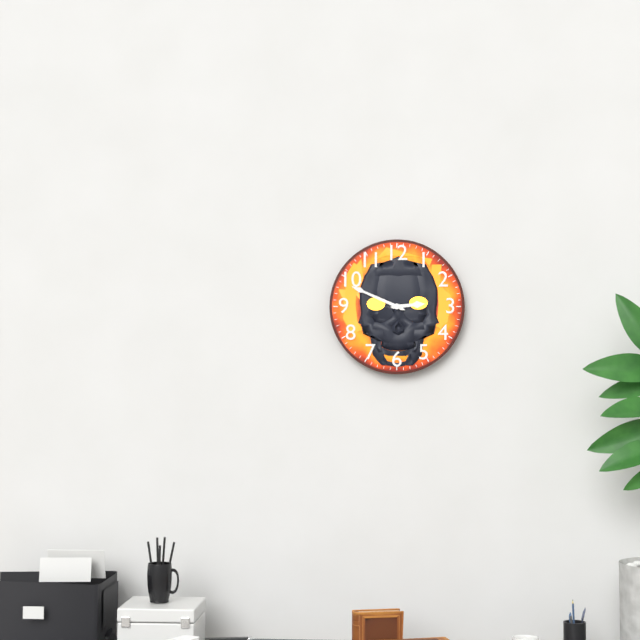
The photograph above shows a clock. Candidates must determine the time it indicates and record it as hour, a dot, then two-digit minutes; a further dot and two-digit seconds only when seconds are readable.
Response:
2.49
